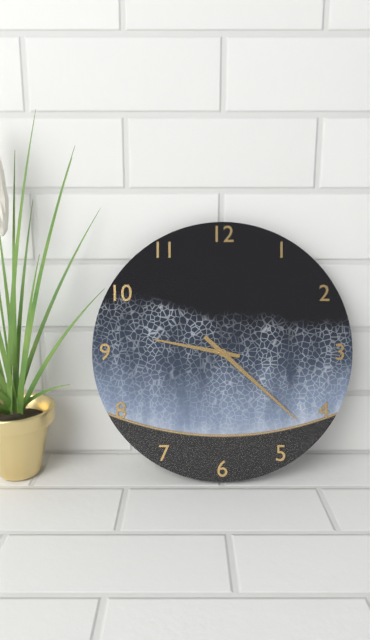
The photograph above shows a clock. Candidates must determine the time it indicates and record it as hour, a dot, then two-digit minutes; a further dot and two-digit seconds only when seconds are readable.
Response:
9.22
